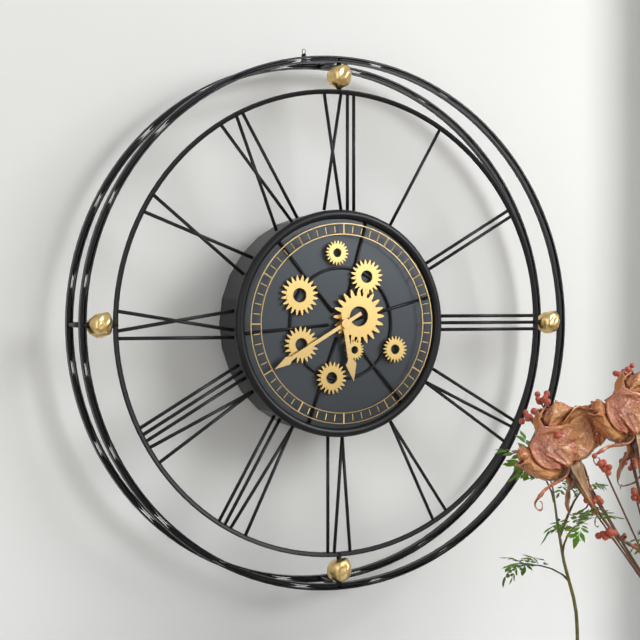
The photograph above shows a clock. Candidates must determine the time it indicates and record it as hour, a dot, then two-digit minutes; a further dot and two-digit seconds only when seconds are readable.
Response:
5.40
